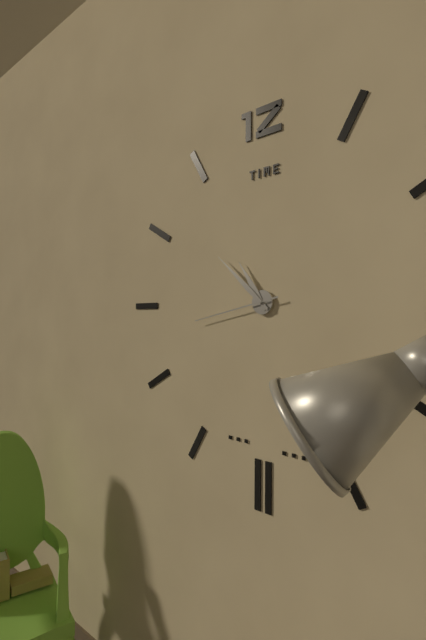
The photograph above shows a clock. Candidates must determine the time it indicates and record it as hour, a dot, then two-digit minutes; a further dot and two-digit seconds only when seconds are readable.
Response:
10.52.43
